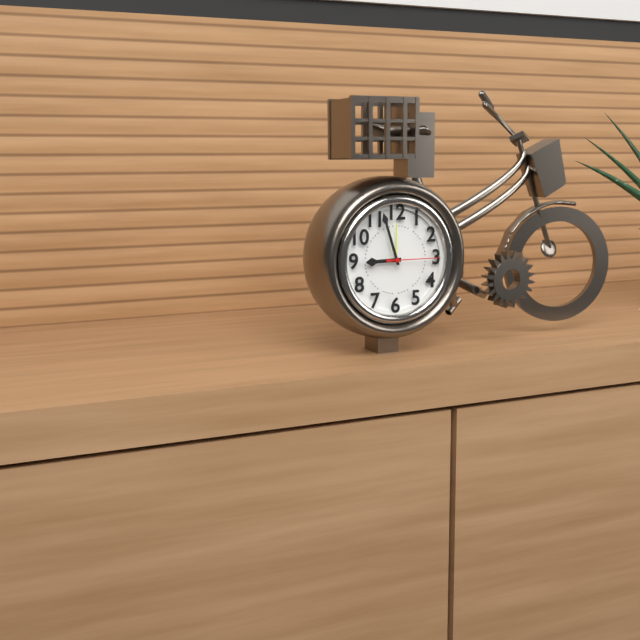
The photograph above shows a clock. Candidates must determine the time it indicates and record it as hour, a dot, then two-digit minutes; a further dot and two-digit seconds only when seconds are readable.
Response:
8.57.15
